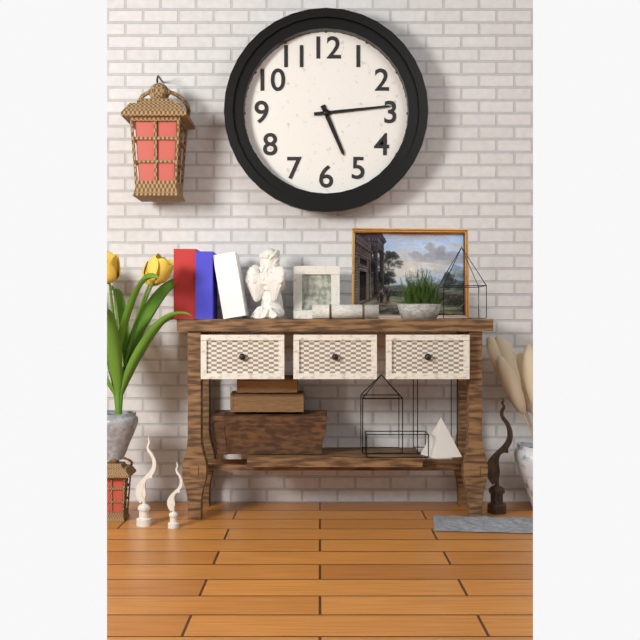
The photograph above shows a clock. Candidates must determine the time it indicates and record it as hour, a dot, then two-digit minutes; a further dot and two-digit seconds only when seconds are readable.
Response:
5.14
